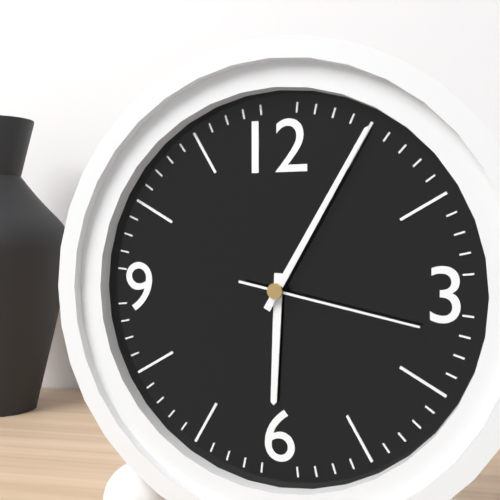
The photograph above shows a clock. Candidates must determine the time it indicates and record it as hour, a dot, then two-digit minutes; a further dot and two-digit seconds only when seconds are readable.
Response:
6.05.17
